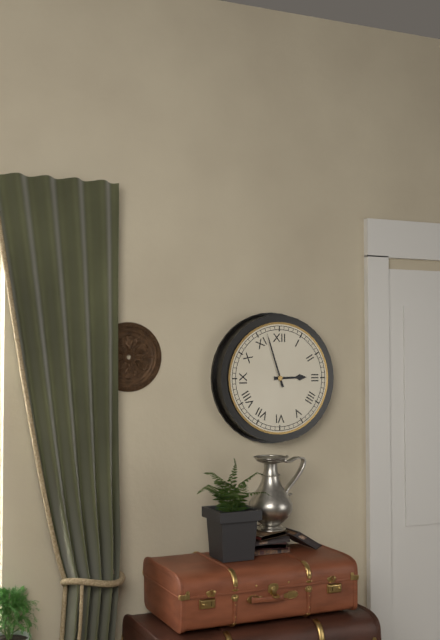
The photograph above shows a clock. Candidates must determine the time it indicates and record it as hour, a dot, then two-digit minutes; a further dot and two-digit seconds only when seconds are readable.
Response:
2.57
